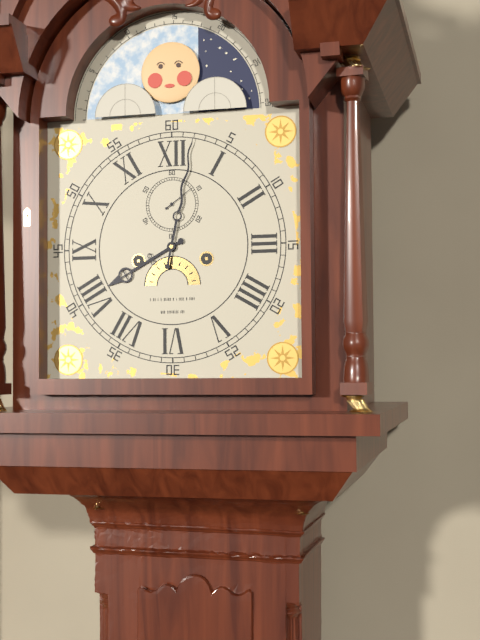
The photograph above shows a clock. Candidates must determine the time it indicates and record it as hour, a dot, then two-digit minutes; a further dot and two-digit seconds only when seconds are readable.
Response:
8.02
